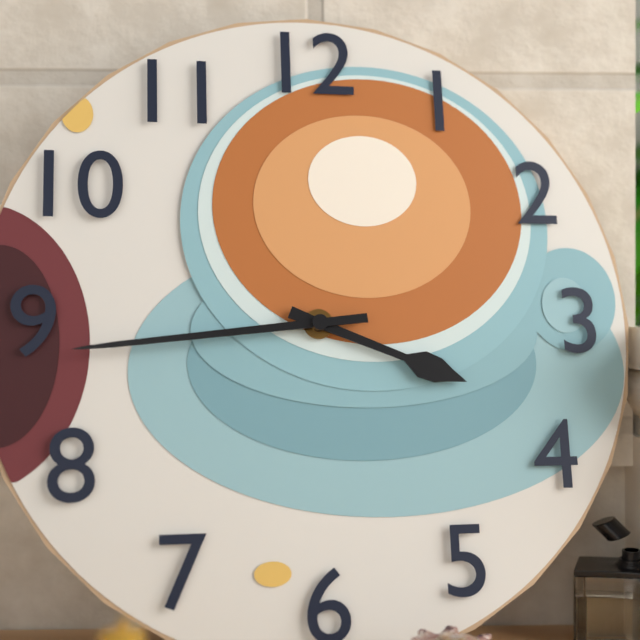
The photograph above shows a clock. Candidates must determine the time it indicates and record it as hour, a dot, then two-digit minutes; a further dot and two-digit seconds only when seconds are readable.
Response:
3.44
